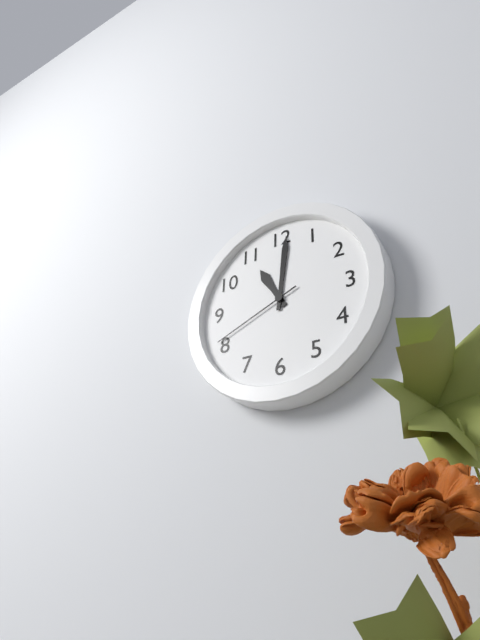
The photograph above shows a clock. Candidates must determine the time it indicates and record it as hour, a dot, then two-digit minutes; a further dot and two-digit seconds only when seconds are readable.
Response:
11.01.41
